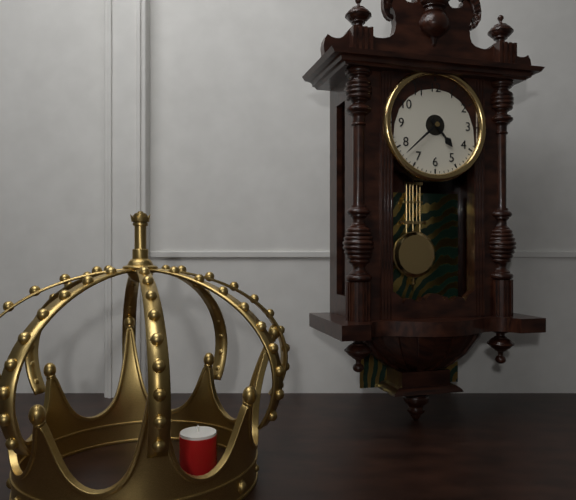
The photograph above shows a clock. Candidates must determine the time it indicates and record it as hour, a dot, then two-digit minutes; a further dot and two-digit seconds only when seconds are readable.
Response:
4.38
